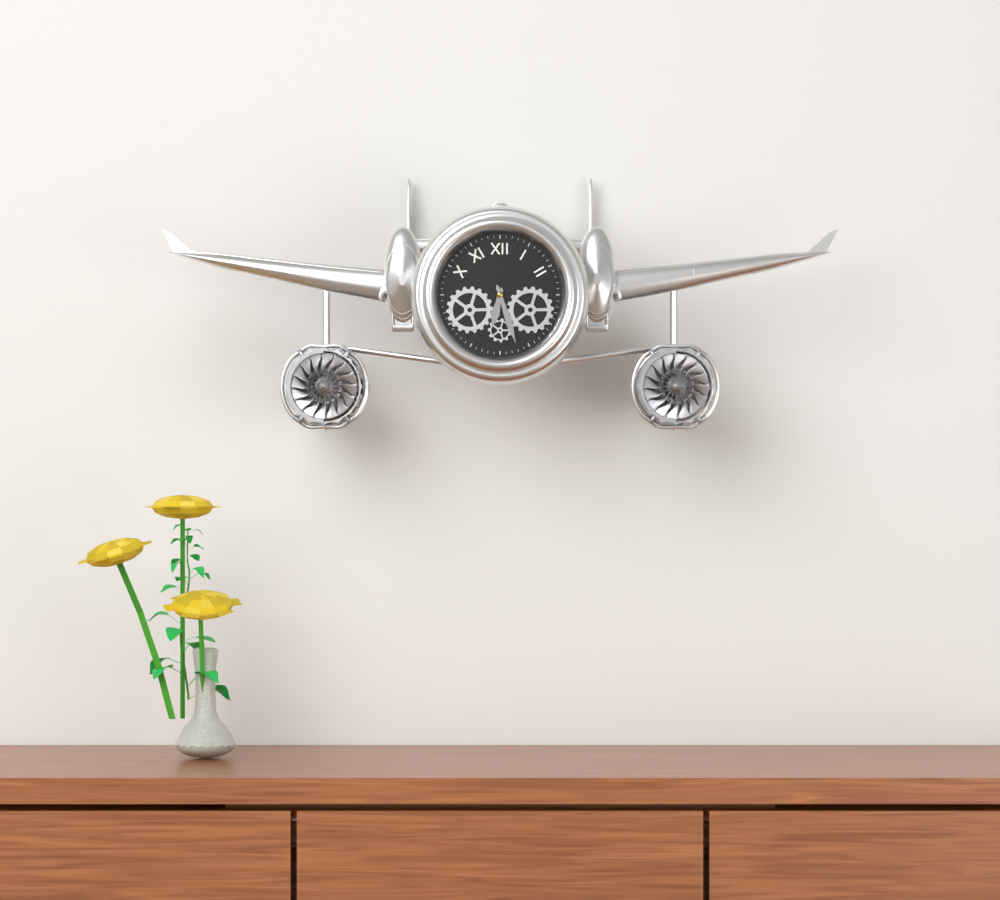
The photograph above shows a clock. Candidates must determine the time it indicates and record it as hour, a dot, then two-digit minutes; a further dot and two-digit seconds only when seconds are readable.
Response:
6.27
